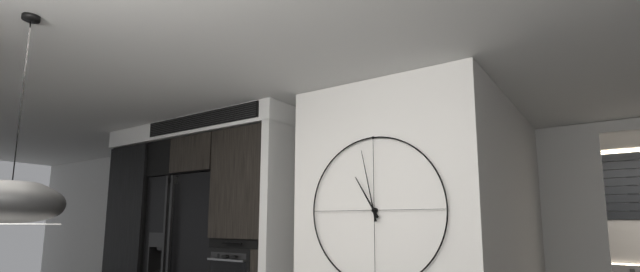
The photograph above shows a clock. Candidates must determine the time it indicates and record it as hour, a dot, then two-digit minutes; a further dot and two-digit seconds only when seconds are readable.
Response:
10.58
